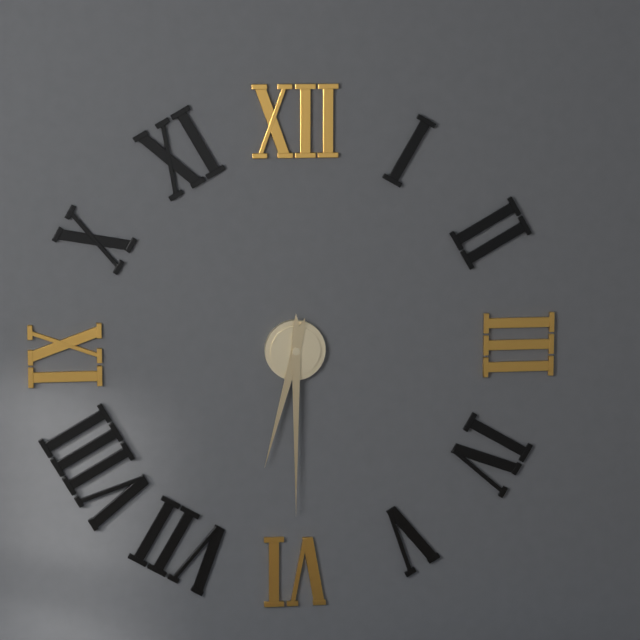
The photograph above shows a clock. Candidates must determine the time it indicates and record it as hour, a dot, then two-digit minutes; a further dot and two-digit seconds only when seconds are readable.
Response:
6.30
